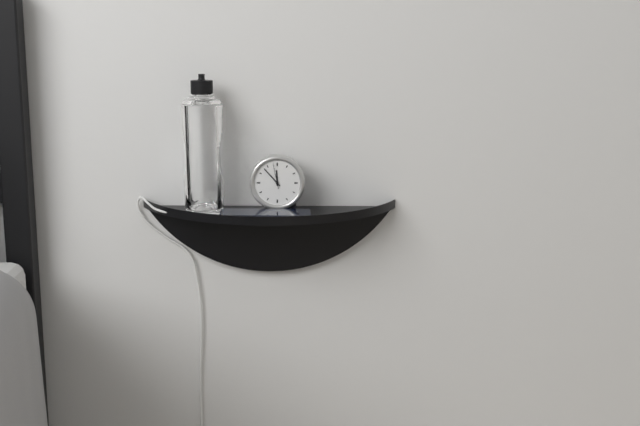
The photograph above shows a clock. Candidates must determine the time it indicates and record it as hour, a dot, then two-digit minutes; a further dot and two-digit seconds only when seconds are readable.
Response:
11.53
